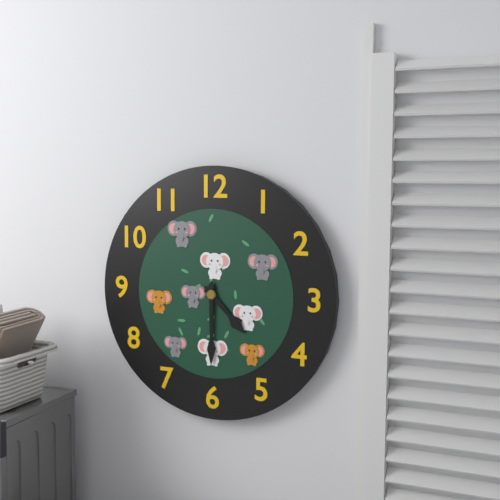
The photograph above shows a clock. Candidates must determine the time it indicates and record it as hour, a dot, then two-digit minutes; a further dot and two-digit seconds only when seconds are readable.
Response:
4.30
